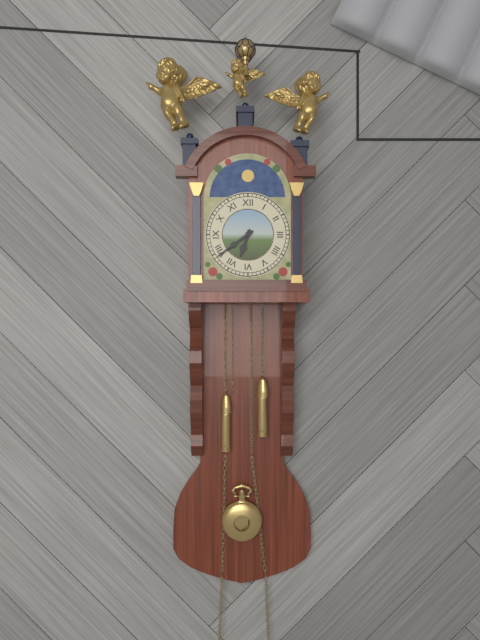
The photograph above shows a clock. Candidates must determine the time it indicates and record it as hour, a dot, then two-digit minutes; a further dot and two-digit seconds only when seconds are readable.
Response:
6.39
